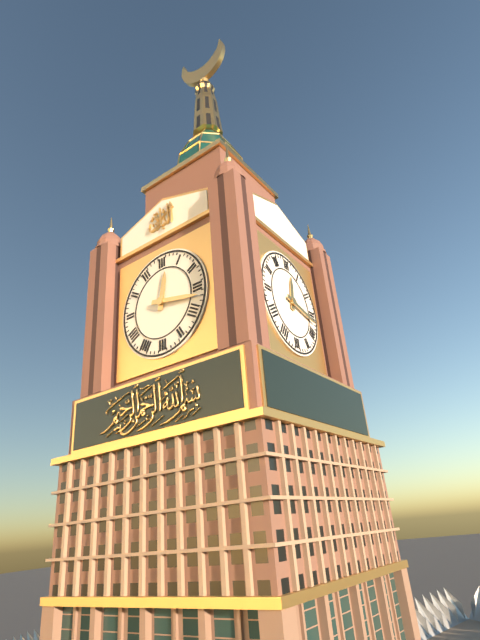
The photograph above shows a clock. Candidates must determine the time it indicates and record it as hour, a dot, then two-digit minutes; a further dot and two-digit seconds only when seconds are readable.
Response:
12.17
